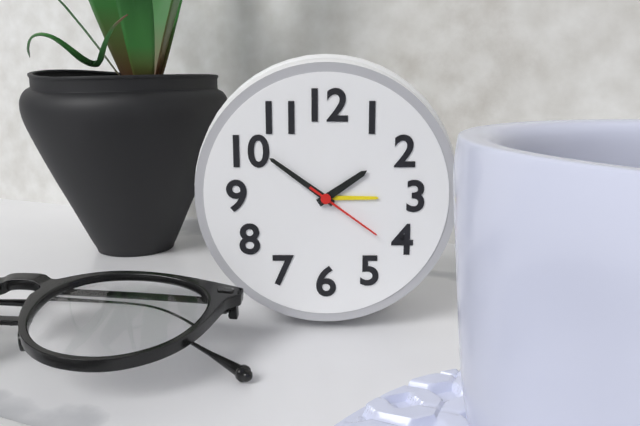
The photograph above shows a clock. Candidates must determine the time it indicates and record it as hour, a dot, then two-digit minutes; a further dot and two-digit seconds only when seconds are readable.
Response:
1.51.21
